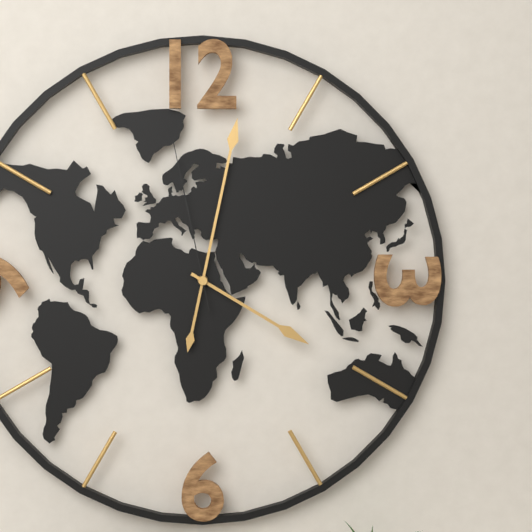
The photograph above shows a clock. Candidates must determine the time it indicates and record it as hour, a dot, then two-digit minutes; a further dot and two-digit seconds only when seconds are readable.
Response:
4.02.58
